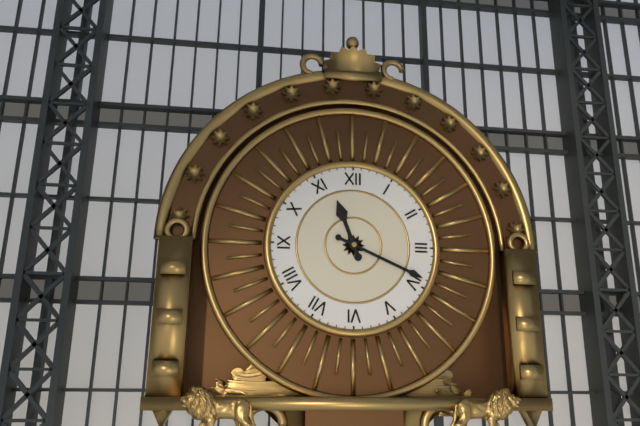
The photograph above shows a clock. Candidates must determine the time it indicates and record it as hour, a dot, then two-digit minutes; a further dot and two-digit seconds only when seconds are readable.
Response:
11.19
